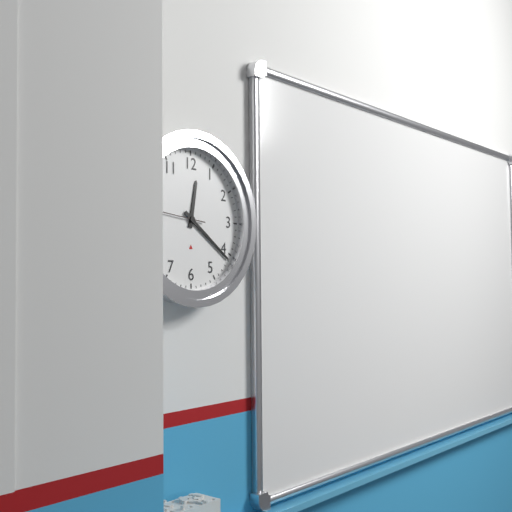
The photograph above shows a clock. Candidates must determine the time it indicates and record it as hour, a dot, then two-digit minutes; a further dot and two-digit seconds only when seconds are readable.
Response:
12.21
